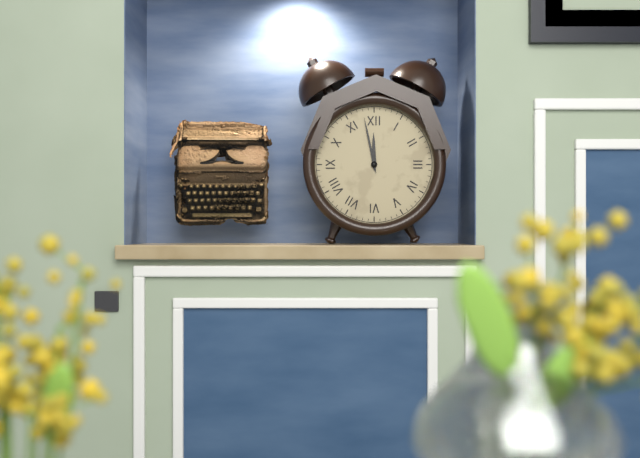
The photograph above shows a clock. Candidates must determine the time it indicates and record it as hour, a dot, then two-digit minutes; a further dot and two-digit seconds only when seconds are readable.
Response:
11.58
